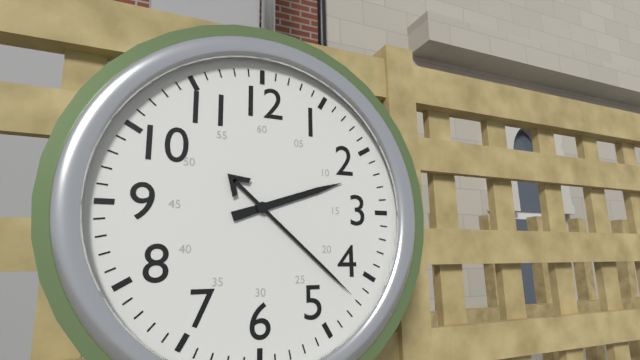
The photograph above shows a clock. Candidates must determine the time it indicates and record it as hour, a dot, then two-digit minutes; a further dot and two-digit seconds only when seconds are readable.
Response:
2.22
